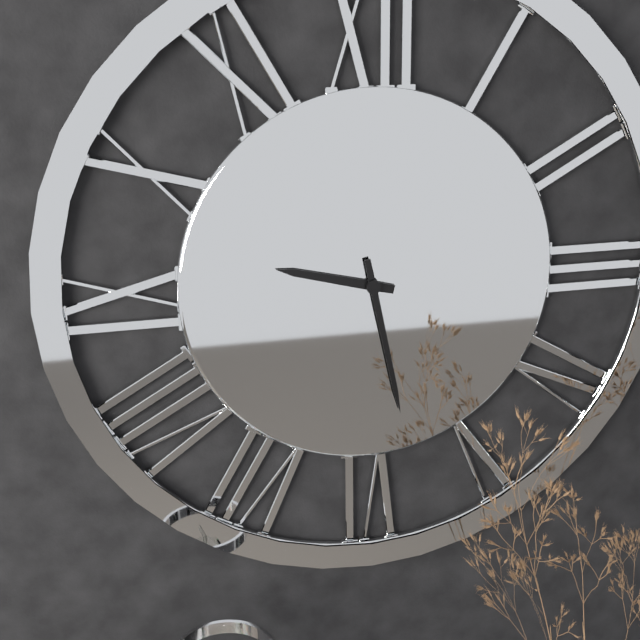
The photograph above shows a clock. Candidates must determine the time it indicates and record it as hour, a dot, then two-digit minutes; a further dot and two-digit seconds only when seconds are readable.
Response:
9.28
